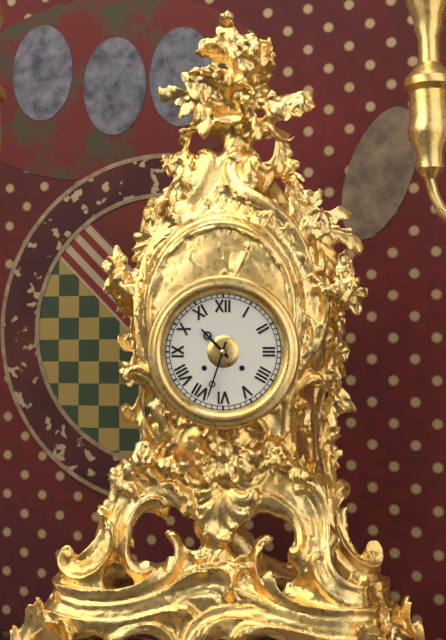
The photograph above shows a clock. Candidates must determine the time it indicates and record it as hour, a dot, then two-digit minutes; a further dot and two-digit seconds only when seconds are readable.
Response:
10.33
